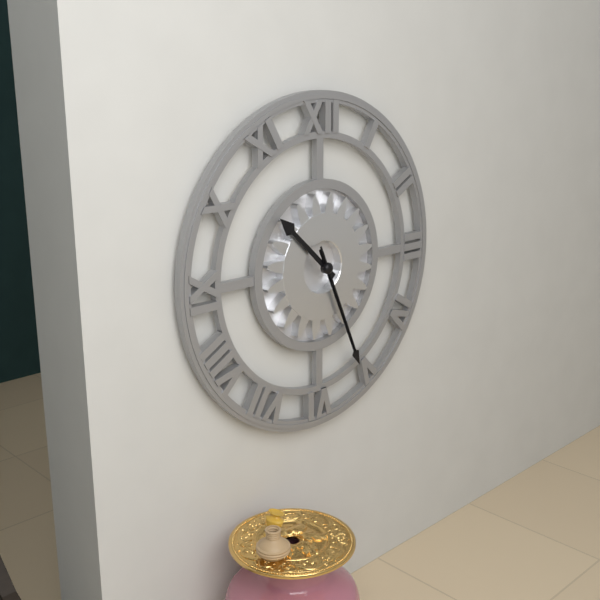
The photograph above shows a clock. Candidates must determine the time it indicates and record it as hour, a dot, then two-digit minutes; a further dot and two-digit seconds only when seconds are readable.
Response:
10.26.26
